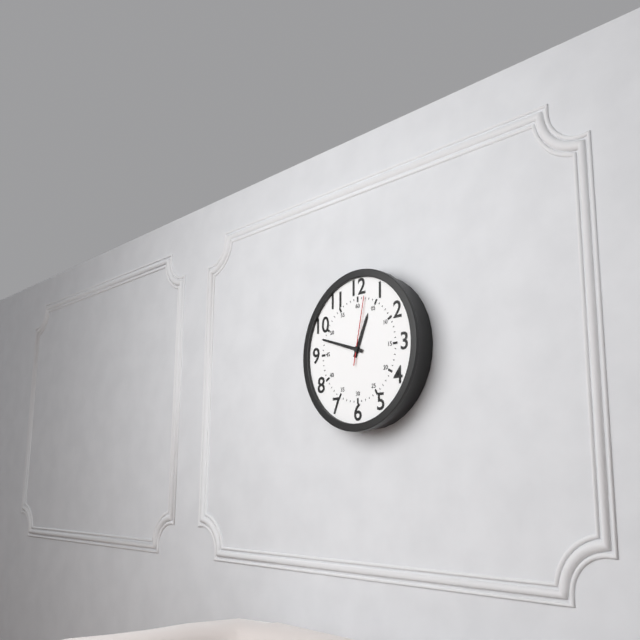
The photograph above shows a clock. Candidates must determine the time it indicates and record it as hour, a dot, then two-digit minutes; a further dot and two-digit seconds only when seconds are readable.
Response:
12.48.02
